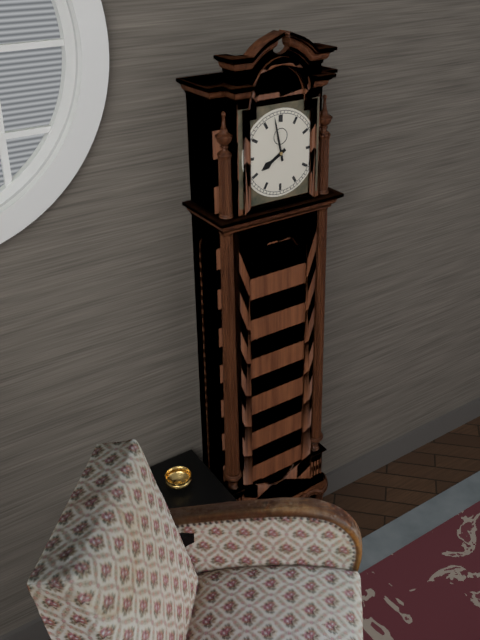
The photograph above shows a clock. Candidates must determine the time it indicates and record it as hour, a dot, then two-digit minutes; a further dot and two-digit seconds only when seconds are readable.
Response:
7.58
